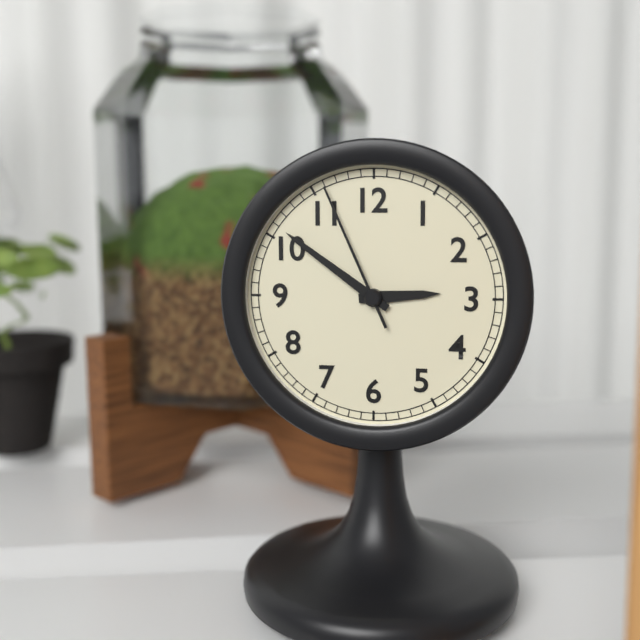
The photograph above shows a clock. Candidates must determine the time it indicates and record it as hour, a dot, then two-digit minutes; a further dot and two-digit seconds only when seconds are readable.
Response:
2.51.56
